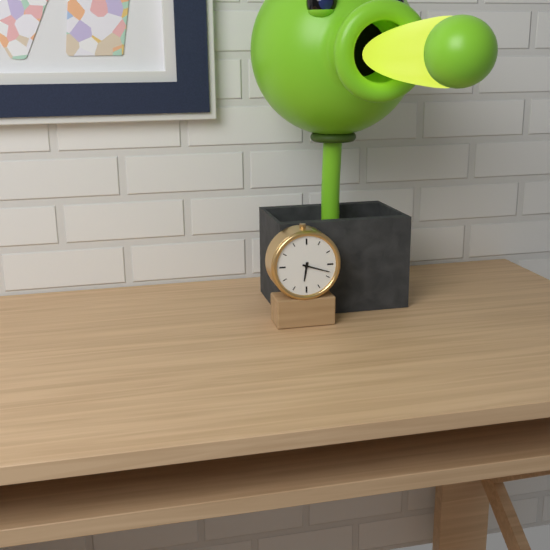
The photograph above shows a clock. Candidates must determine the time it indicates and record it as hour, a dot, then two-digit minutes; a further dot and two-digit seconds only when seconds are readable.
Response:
6.18
